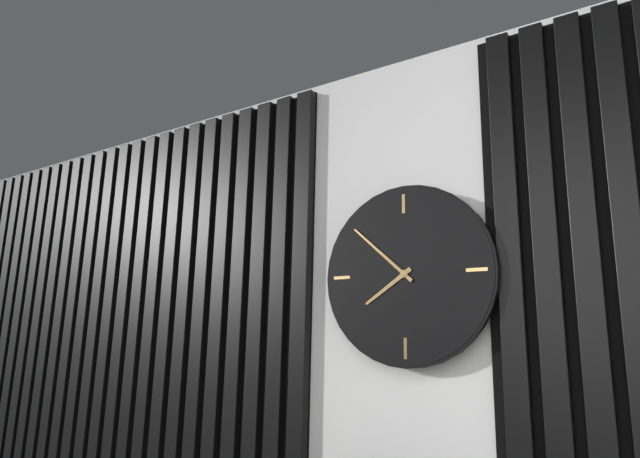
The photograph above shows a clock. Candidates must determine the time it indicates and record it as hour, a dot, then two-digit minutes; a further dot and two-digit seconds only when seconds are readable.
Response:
7.52
